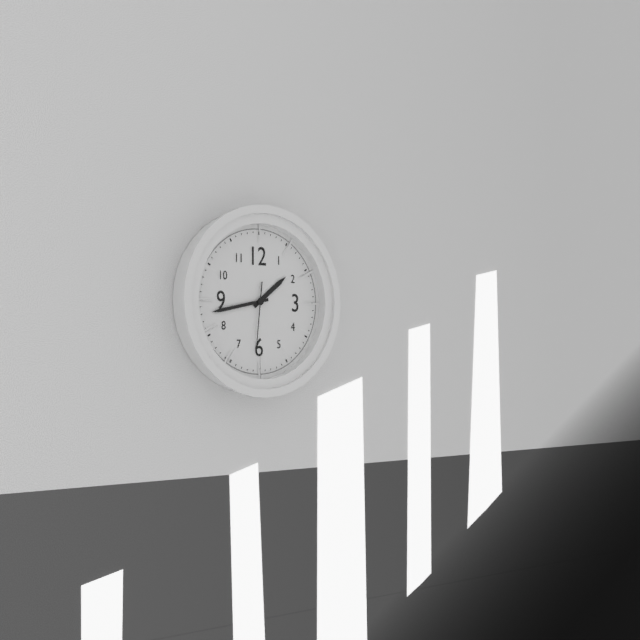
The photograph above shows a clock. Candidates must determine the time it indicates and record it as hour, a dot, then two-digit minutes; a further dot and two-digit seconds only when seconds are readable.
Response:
1.43.31
